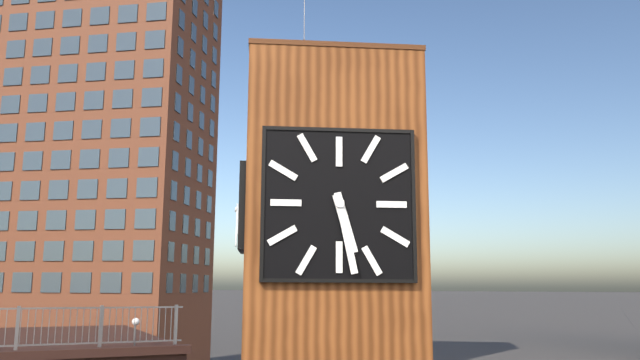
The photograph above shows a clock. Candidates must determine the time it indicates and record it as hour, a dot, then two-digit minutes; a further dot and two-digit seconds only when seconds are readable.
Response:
5.28
